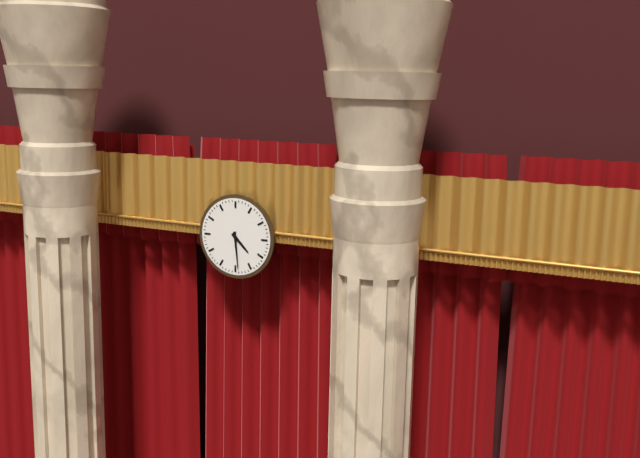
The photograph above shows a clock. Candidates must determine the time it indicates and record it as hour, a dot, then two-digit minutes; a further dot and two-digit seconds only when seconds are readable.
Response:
4.29
